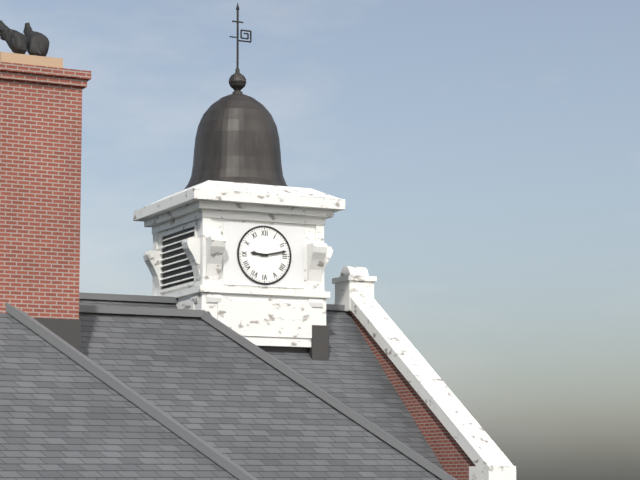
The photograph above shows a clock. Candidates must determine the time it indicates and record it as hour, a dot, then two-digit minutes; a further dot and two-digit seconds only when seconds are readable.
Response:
9.13
